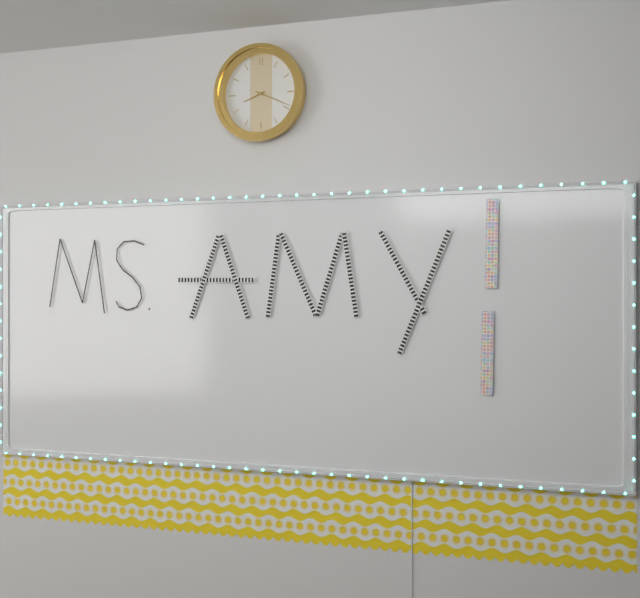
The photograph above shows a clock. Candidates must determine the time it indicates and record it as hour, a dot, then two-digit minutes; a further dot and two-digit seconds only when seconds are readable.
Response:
8.19
